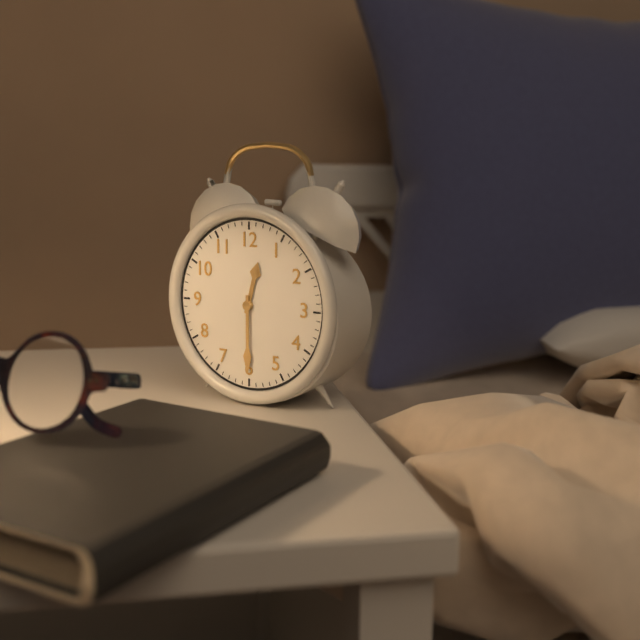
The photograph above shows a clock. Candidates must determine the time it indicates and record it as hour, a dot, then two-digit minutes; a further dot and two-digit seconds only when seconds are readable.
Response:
12.30
